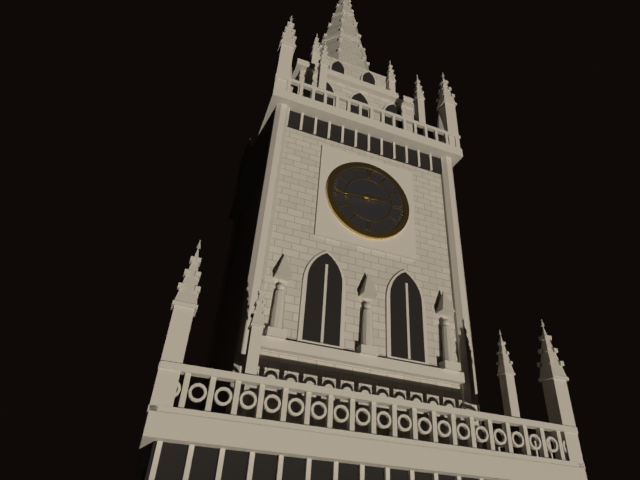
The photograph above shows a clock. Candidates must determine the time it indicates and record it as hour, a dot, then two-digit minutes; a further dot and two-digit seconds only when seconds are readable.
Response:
2.44
